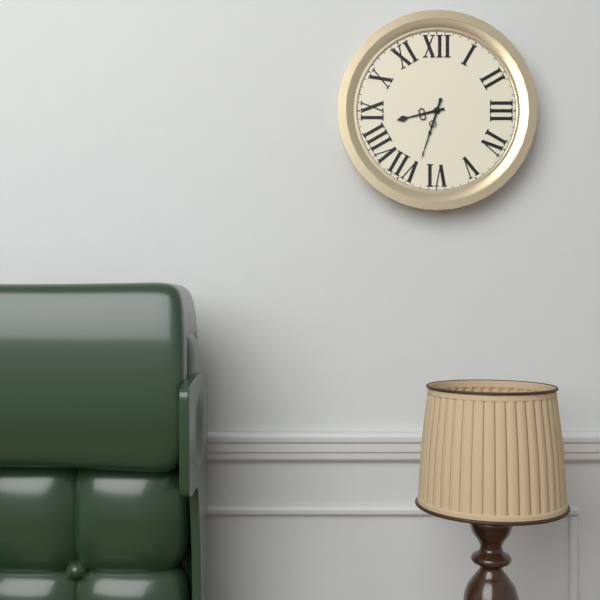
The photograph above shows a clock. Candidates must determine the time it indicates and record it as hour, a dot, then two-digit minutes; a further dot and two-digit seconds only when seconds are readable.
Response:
8.33
